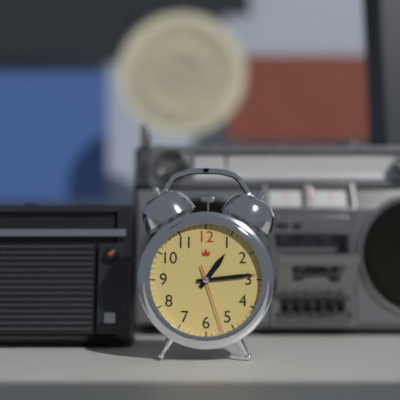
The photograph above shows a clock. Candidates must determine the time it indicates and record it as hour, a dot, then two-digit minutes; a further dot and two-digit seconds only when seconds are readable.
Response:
1.14.27
